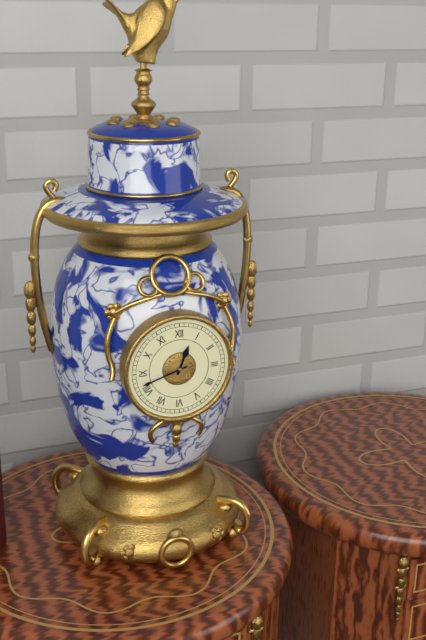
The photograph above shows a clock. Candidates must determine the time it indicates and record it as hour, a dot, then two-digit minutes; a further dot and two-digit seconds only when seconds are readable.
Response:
12.42
